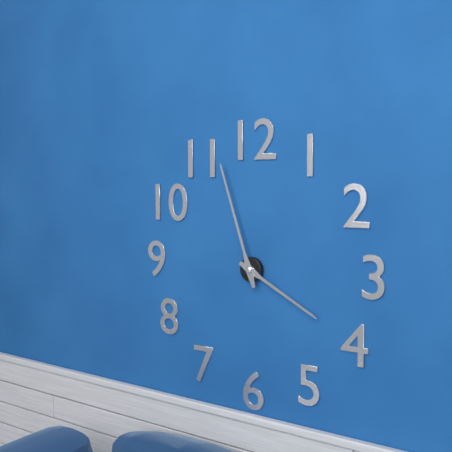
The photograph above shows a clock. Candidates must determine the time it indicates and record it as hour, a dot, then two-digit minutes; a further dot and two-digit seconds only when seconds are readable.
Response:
3.57
